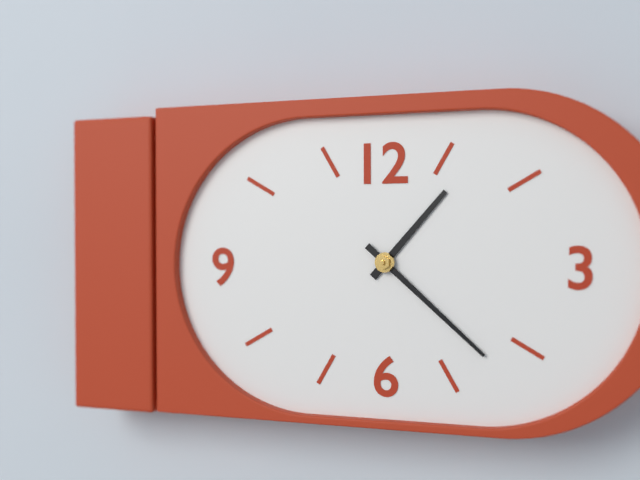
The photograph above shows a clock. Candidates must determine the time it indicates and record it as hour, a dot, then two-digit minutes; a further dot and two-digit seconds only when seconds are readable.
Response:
1.22
